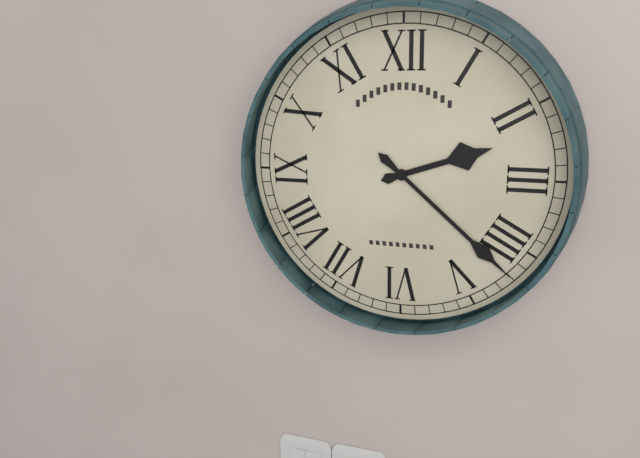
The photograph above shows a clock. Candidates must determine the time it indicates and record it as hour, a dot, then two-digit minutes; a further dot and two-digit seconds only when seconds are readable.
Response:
2.22
